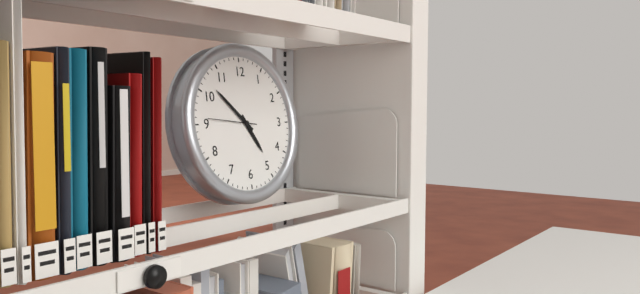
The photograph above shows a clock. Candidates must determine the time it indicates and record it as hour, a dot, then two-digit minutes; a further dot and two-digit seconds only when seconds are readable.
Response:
4.52
